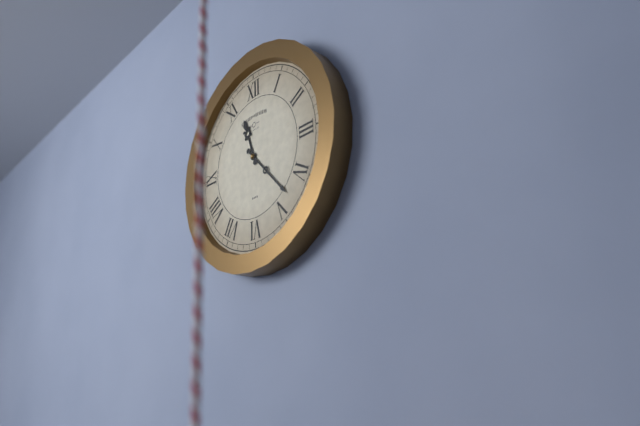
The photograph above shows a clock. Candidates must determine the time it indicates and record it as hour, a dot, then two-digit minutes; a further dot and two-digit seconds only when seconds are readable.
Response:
11.23
